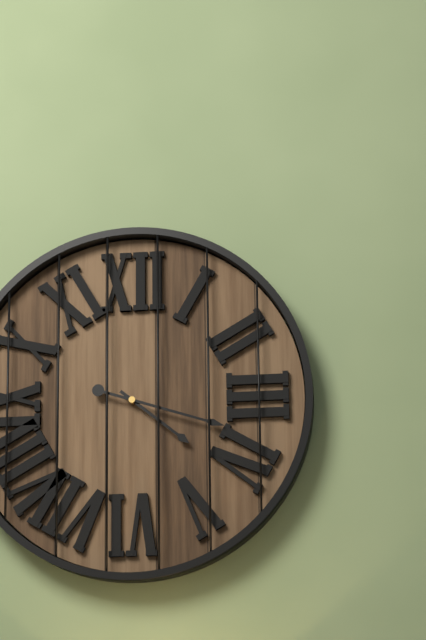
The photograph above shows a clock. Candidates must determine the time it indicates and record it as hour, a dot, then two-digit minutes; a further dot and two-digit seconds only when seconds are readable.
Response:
4.18
